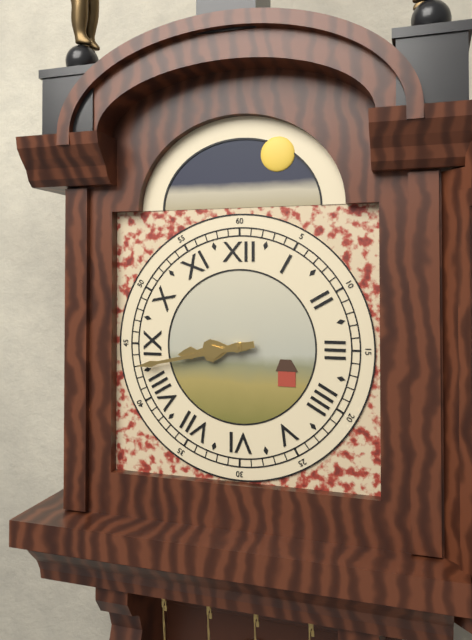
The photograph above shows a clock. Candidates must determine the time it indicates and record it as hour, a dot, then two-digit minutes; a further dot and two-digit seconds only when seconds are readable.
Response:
8.43
